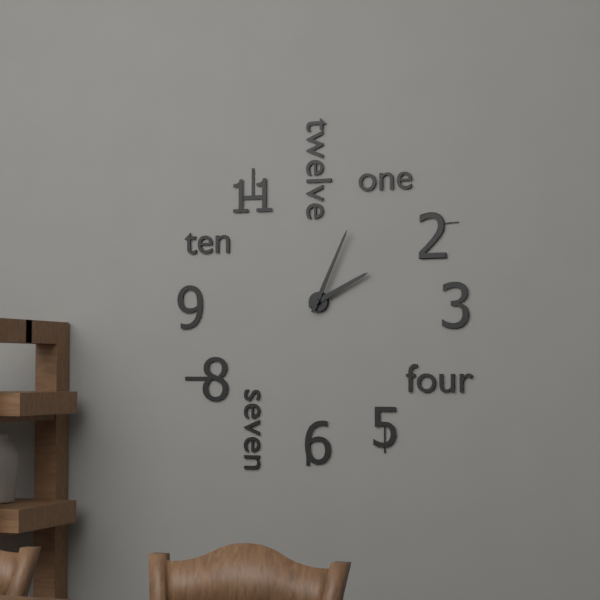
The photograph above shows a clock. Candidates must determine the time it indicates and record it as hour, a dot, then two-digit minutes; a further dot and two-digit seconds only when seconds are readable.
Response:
2.04
